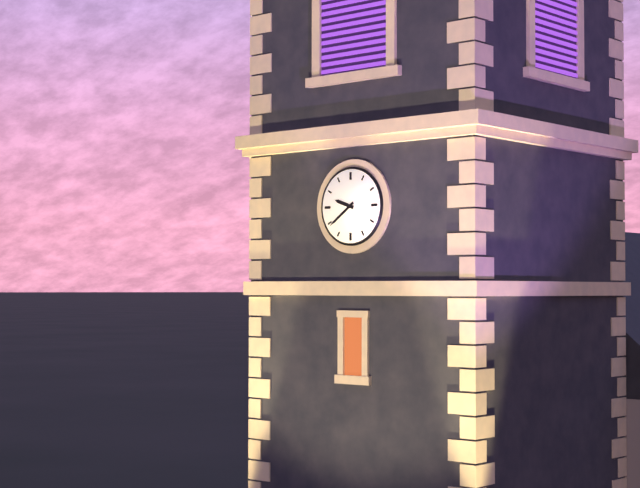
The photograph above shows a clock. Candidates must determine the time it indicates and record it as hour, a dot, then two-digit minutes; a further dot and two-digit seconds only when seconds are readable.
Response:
9.39
